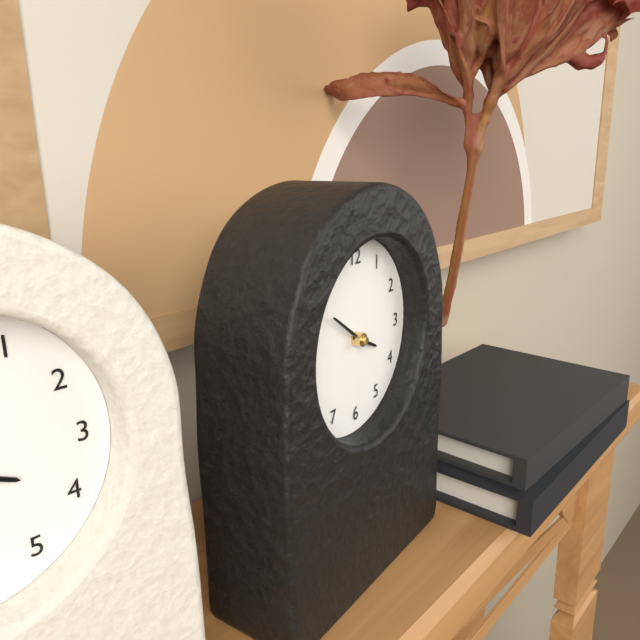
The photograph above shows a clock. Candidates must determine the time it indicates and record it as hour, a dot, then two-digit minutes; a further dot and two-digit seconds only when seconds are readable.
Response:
3.51
